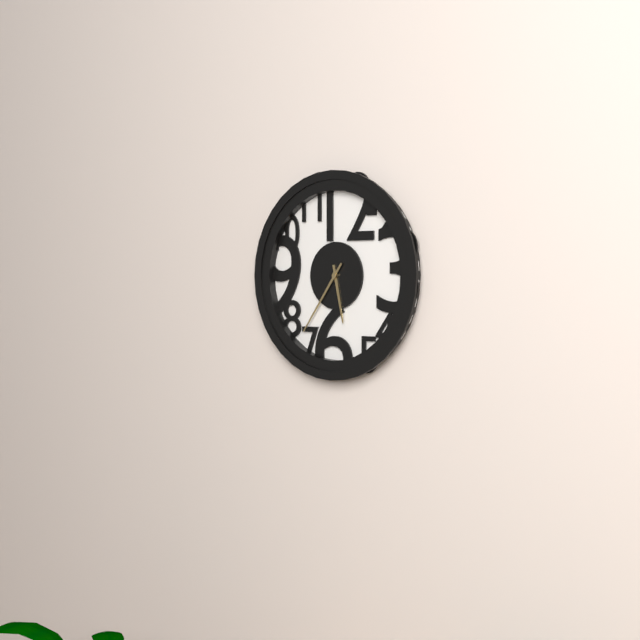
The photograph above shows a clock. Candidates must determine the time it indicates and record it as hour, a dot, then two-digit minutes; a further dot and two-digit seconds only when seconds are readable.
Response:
5.36
